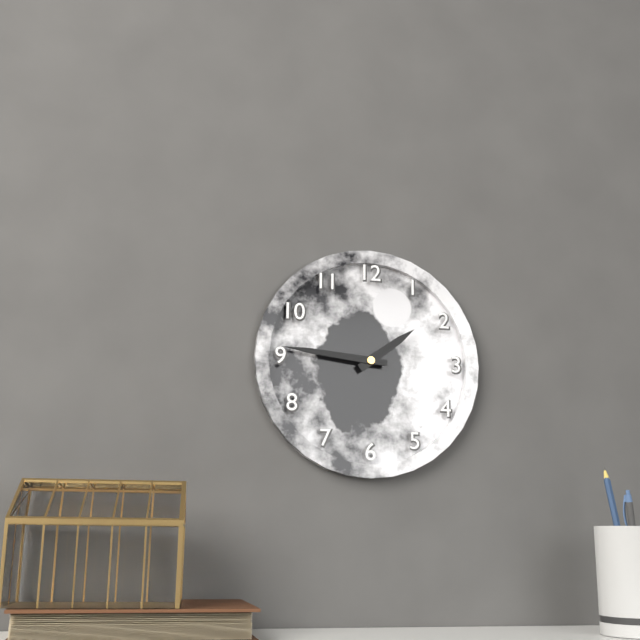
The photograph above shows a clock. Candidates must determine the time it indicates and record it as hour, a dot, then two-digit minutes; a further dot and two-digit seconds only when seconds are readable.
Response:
1.46
